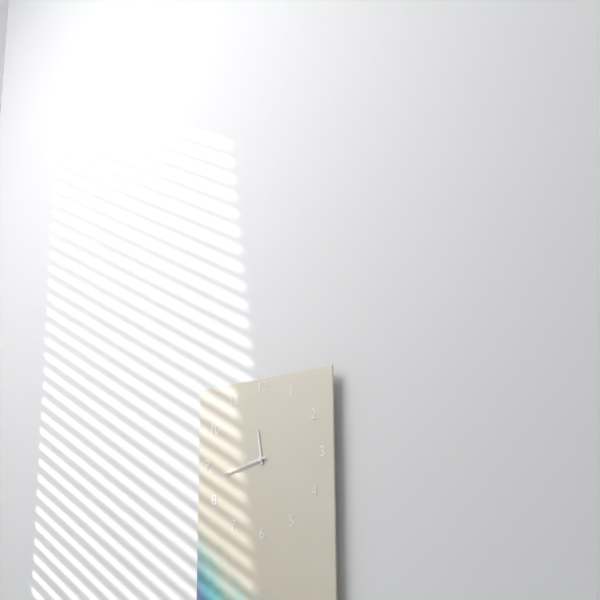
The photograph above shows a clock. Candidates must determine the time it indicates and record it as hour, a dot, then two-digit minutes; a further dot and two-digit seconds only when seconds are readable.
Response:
11.43
